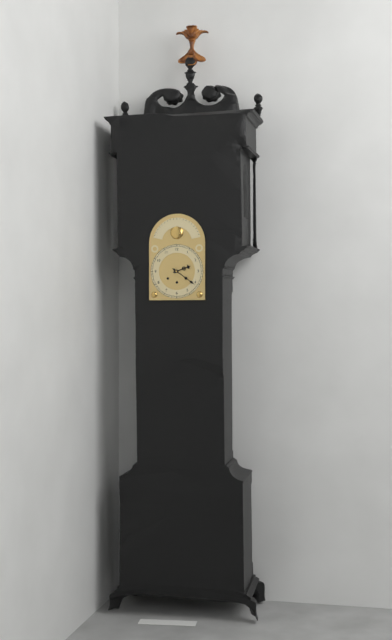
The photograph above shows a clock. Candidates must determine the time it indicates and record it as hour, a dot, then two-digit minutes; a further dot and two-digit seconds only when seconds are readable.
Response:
2.21
